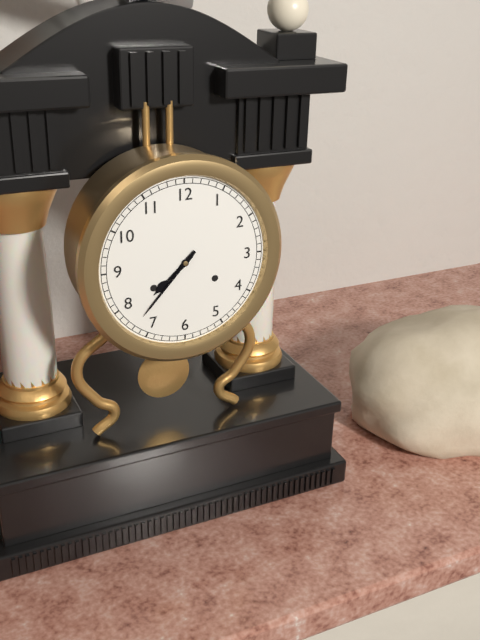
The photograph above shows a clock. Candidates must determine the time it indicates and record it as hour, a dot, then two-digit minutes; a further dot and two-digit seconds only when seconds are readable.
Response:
7.37
